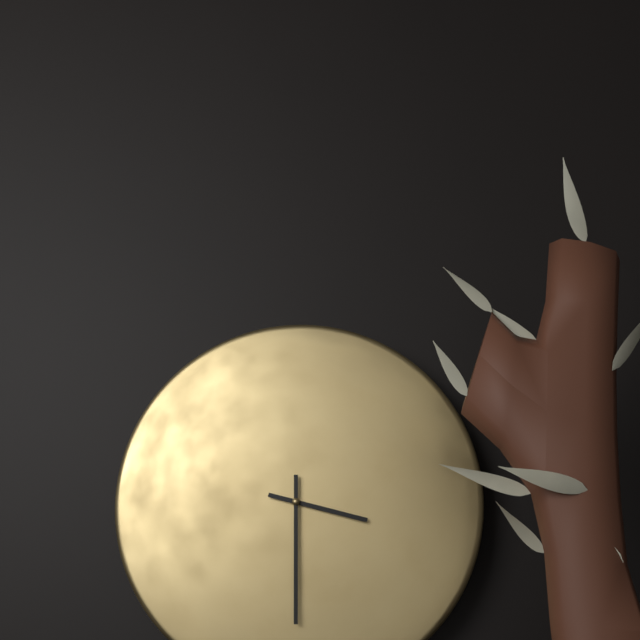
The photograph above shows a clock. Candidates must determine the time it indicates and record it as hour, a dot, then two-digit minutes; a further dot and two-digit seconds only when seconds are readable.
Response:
3.30
